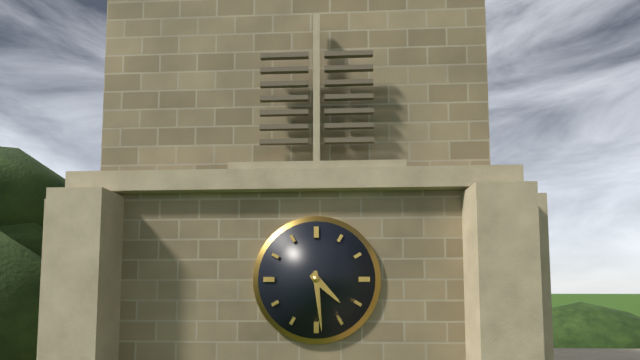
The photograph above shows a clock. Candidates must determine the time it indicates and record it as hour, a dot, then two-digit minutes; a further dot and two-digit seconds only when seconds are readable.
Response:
4.29
